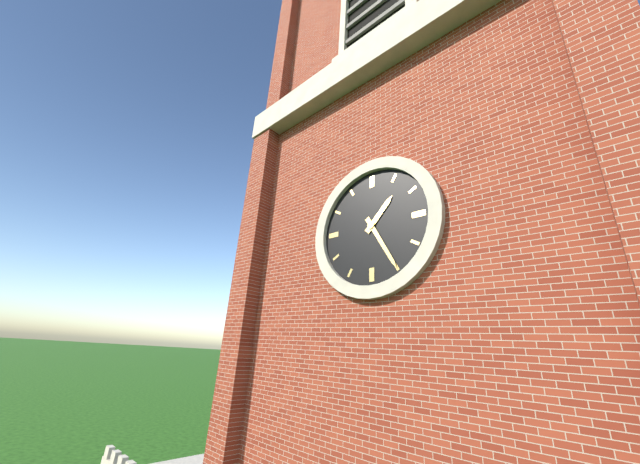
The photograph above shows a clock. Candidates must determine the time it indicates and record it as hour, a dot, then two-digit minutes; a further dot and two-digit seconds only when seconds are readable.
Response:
1.25
